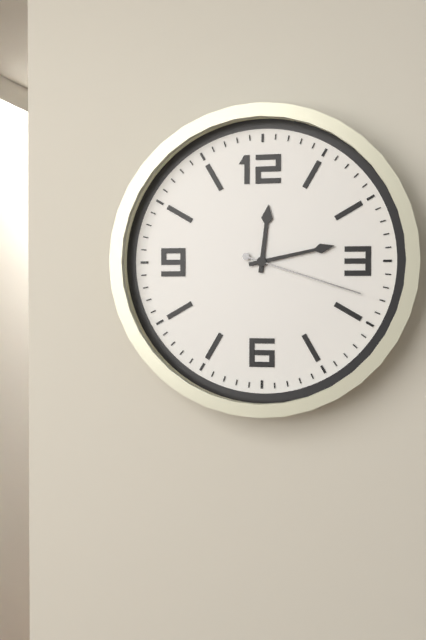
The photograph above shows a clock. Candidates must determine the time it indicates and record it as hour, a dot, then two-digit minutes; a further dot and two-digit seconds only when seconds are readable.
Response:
12.13.18
